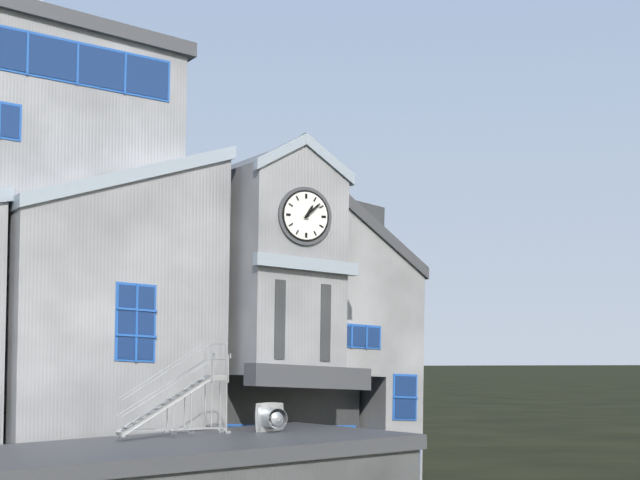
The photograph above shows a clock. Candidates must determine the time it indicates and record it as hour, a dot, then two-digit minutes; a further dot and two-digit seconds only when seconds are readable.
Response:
1.08
